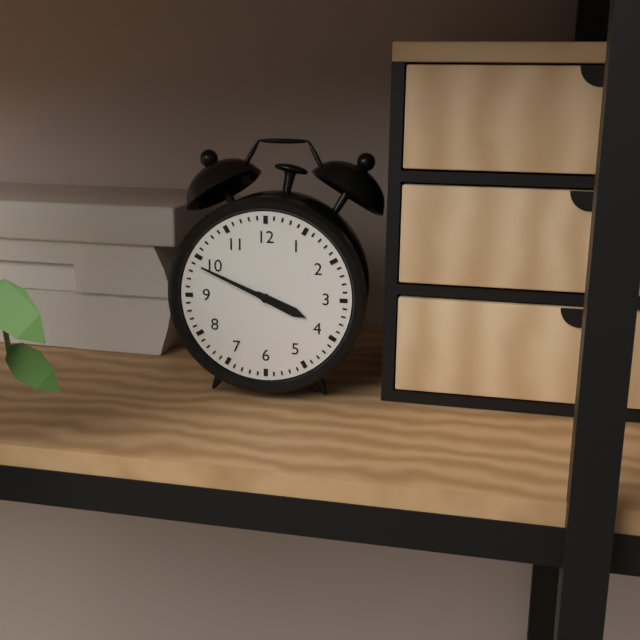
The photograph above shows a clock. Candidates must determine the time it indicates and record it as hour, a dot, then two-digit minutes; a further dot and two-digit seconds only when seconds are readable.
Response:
3.49
